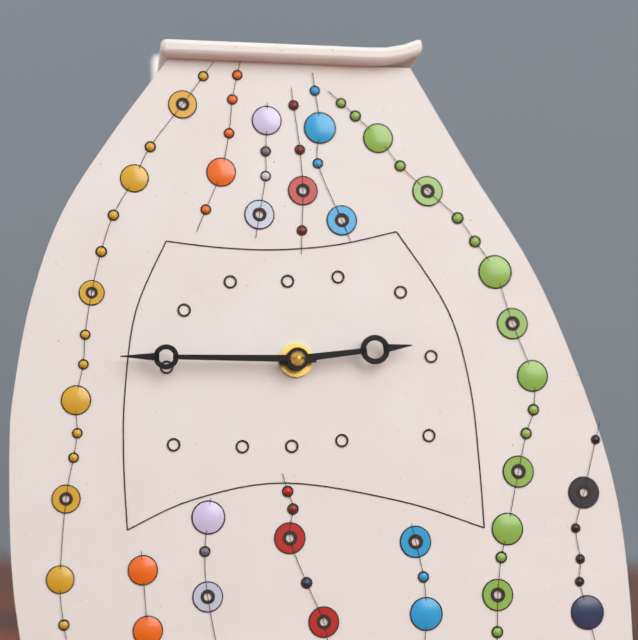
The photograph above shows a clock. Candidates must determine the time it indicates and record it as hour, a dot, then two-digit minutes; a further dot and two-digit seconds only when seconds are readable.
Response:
2.45
